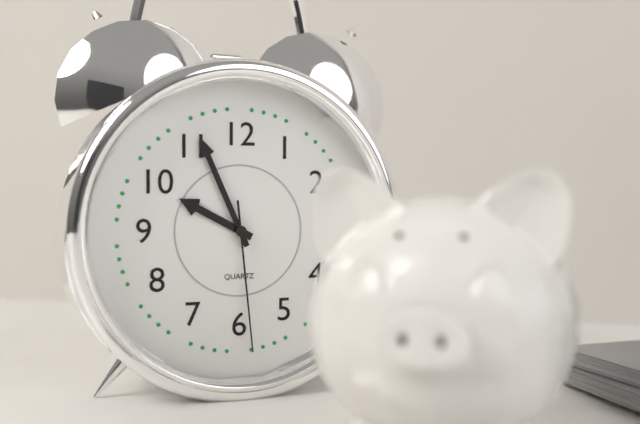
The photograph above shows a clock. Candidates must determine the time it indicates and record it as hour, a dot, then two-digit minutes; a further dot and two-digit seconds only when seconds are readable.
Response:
9.56.29
